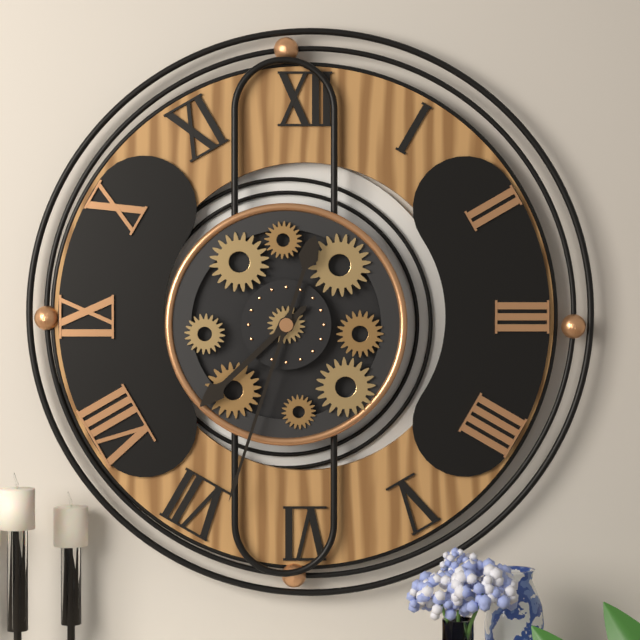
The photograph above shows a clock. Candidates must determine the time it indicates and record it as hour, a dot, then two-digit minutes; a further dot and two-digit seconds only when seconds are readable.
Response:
7.33
